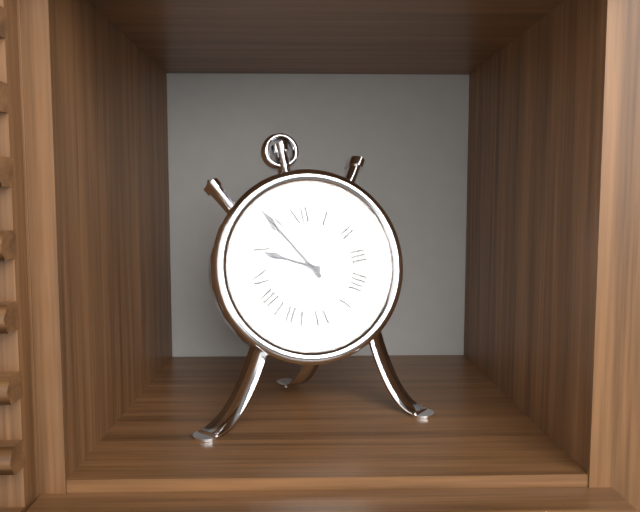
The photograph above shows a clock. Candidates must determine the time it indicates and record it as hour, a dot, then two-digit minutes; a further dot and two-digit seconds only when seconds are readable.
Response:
9.55
